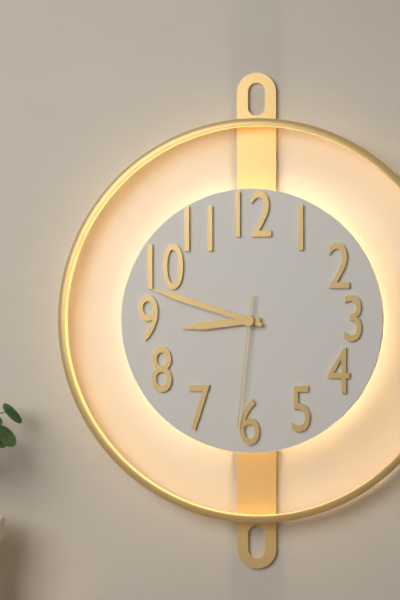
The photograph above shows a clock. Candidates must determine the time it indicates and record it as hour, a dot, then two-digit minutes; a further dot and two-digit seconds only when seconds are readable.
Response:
8.48.31
